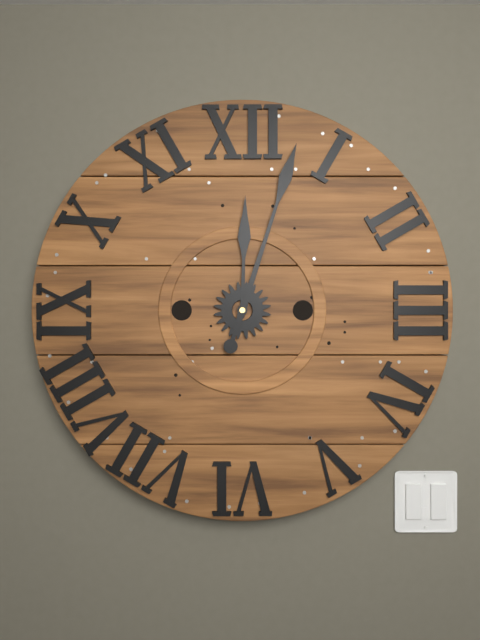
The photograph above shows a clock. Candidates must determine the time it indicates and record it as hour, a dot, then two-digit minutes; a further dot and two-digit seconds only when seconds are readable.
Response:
12.03
